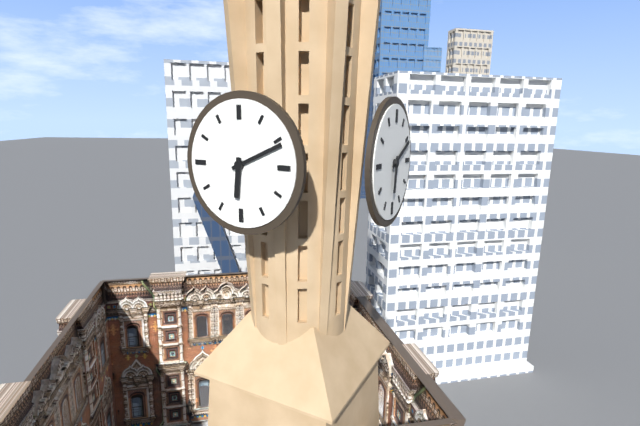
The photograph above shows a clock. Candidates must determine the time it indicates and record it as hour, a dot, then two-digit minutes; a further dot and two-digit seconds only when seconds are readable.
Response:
6.11
